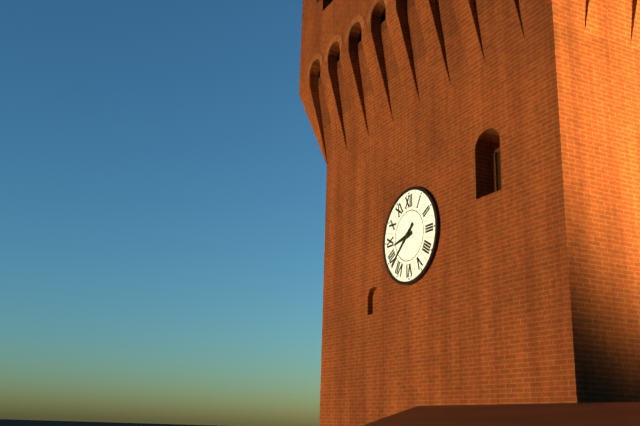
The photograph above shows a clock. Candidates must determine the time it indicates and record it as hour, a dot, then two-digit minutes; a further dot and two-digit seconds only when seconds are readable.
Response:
8.38
